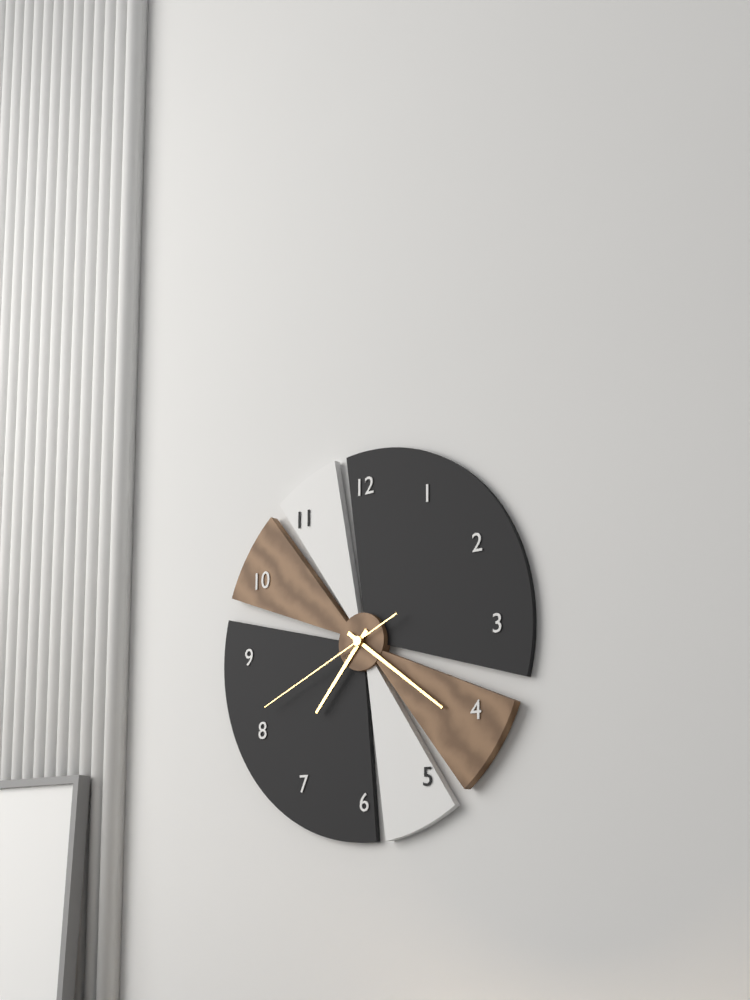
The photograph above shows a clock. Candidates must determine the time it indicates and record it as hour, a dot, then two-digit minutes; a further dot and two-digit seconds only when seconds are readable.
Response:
7.21.41
